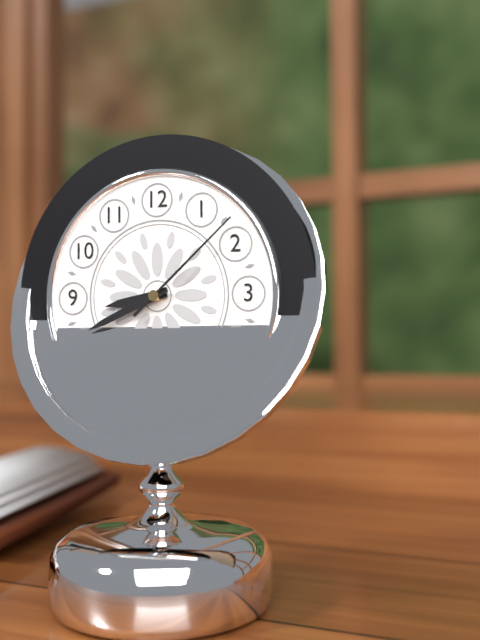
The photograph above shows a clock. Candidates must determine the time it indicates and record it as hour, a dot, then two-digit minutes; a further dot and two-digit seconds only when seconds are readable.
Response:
8.41.08
